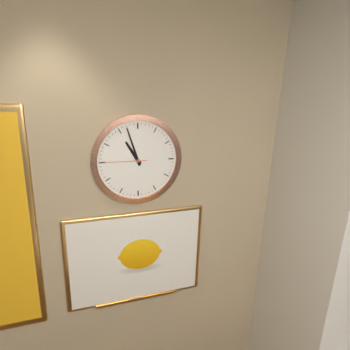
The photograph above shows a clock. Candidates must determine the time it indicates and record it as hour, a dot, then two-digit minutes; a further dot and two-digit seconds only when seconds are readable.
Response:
10.57
